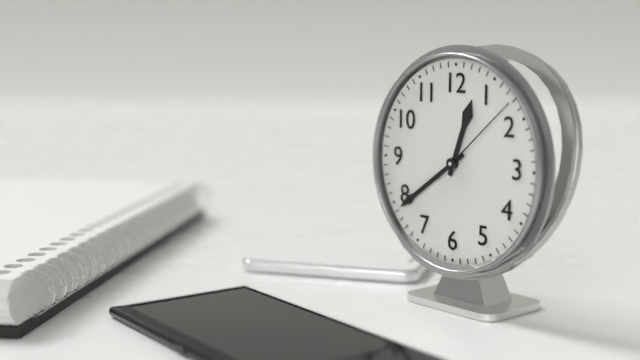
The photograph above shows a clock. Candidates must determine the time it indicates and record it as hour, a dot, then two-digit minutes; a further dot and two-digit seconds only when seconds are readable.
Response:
12.39.08
